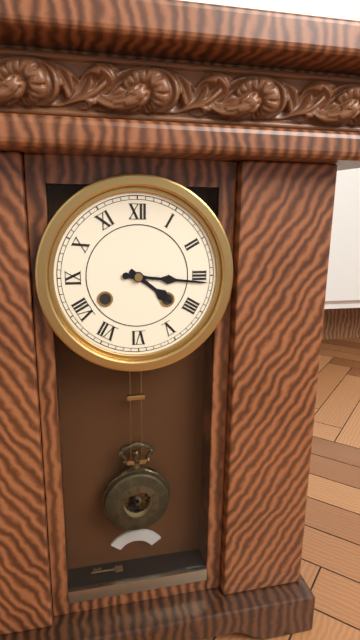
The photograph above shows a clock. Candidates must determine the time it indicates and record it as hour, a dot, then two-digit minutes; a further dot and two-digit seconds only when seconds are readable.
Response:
4.16
